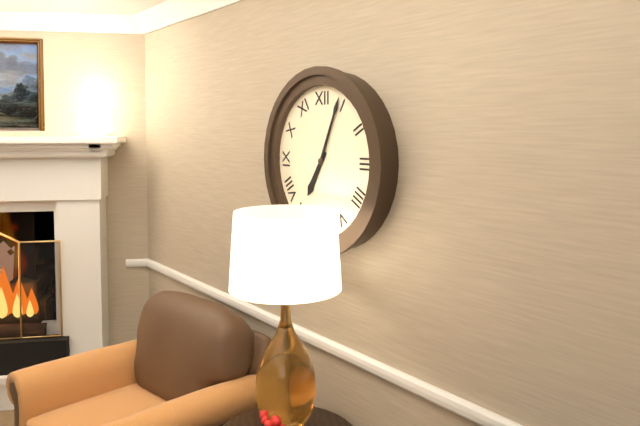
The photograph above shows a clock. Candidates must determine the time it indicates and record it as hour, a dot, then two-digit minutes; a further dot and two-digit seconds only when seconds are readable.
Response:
7.04
